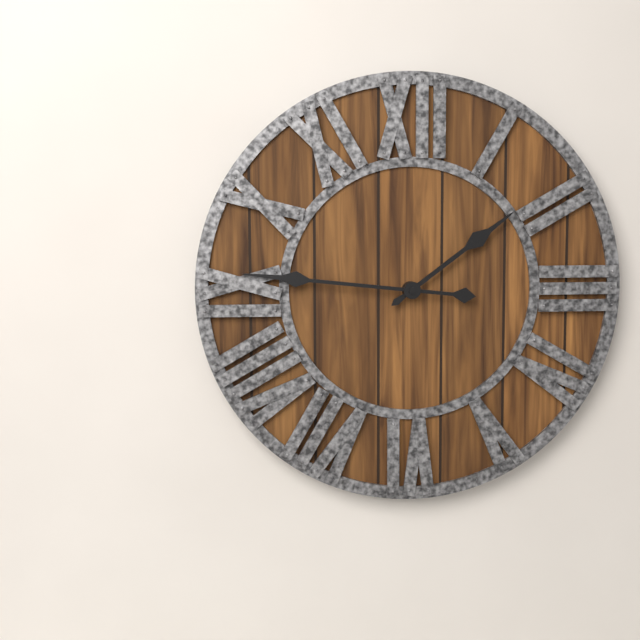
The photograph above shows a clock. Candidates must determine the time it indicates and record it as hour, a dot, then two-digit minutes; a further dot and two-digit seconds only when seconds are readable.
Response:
1.46
